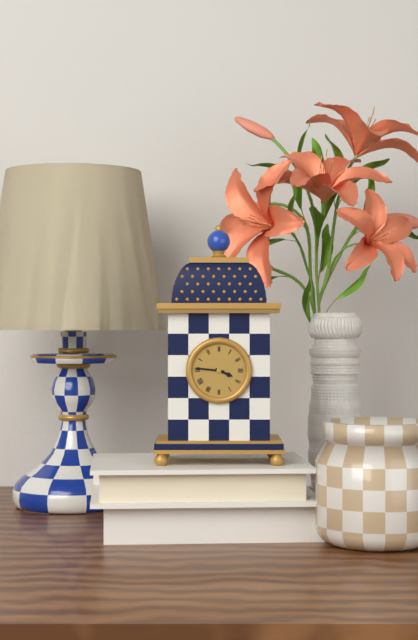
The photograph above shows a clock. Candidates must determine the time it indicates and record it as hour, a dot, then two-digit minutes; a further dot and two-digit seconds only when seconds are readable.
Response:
3.46
